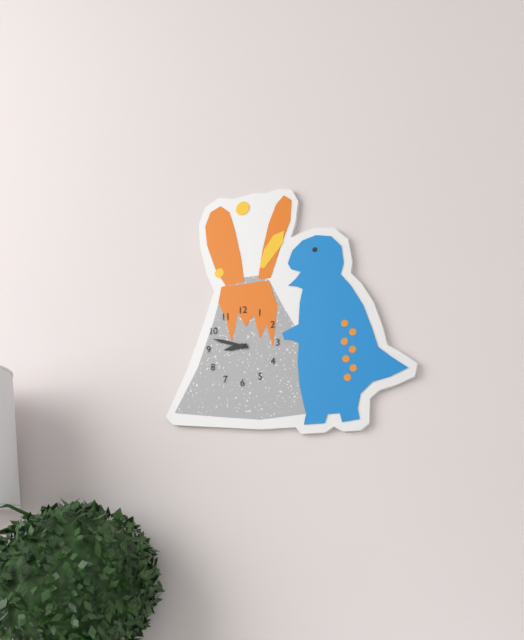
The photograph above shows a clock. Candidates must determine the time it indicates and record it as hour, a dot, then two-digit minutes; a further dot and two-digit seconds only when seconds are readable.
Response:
8.48
